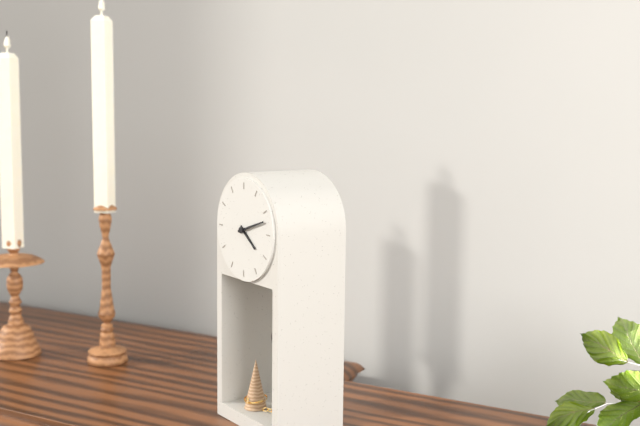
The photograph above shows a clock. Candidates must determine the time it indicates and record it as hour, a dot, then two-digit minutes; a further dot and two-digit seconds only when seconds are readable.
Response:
4.12
